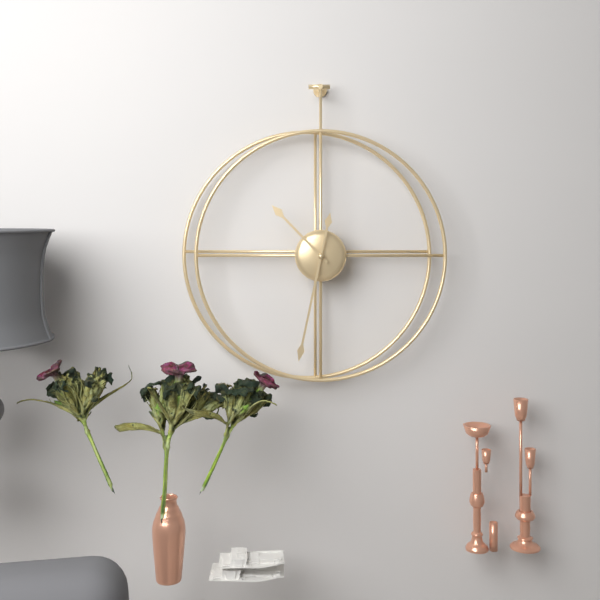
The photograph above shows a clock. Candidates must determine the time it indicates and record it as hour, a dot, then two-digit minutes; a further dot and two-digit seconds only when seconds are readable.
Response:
10.32
